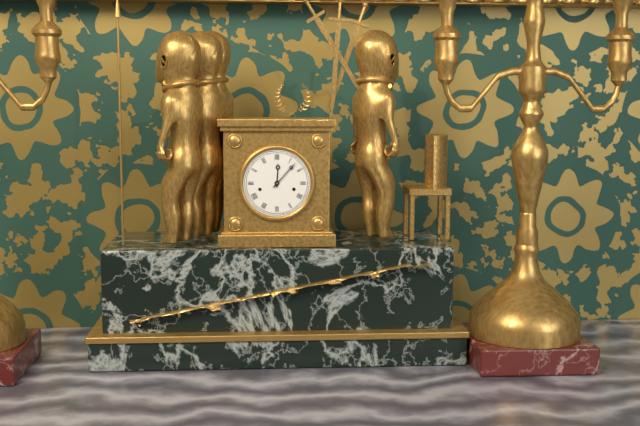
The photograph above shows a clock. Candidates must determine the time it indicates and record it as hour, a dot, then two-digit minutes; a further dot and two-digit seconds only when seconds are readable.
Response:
12.07
